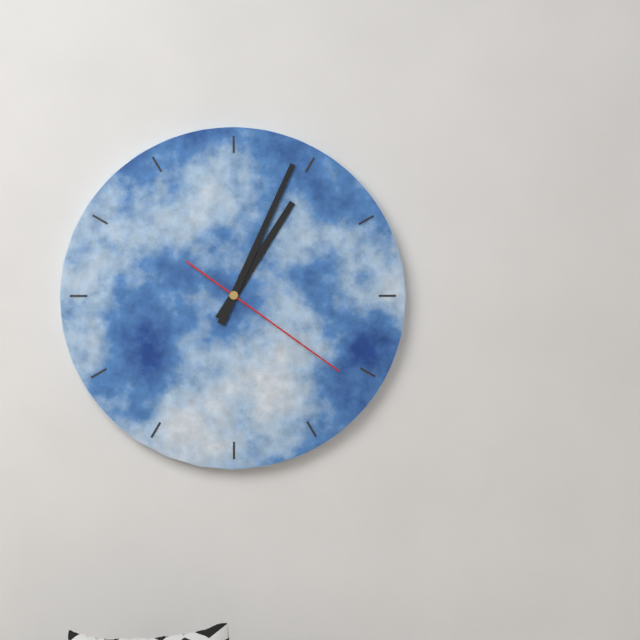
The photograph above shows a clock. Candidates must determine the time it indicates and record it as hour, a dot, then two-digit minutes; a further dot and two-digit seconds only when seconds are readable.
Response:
1.04.21
